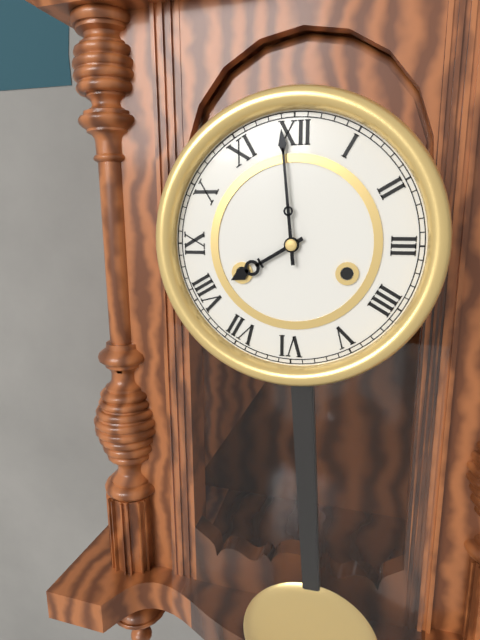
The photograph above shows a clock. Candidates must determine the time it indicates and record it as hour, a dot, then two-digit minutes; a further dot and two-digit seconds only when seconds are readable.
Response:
7.59
